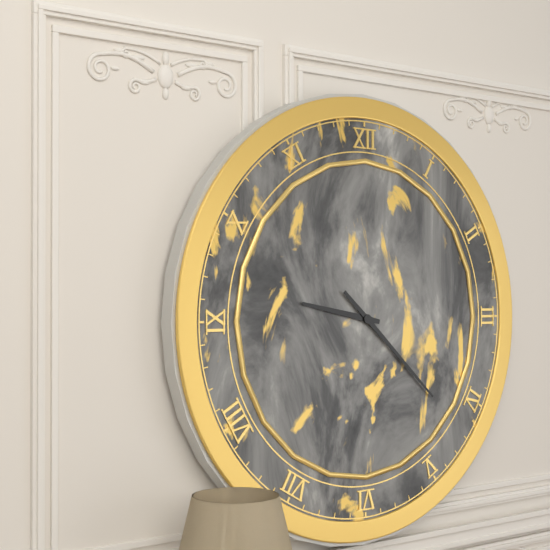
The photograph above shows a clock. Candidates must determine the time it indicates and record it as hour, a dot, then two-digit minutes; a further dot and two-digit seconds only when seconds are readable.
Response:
9.22
